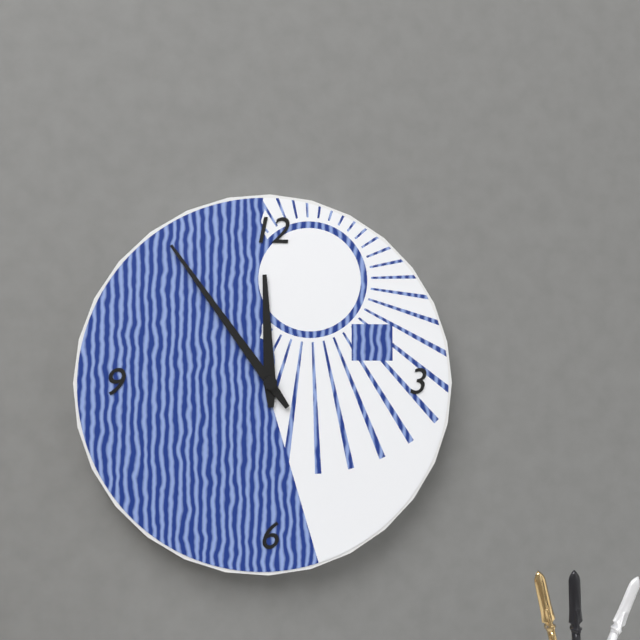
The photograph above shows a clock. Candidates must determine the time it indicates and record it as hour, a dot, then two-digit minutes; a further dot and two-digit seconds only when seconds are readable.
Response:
11.54
